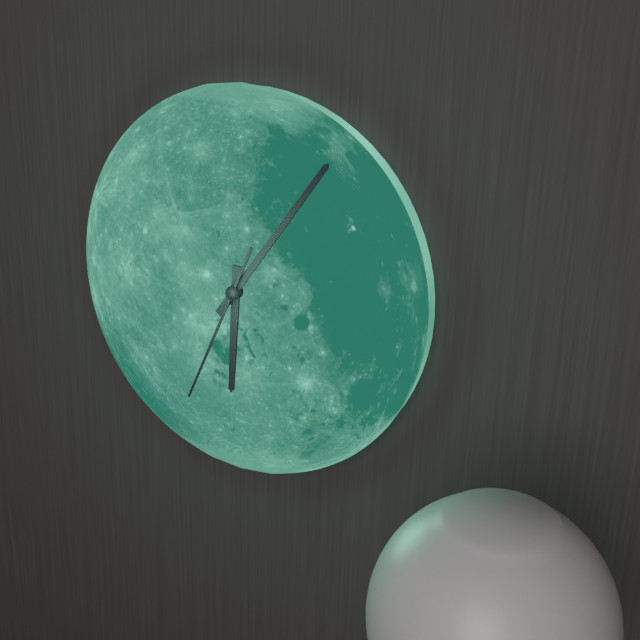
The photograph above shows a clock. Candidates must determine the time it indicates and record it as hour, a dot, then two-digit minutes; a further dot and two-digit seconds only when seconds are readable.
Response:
6.06.34
